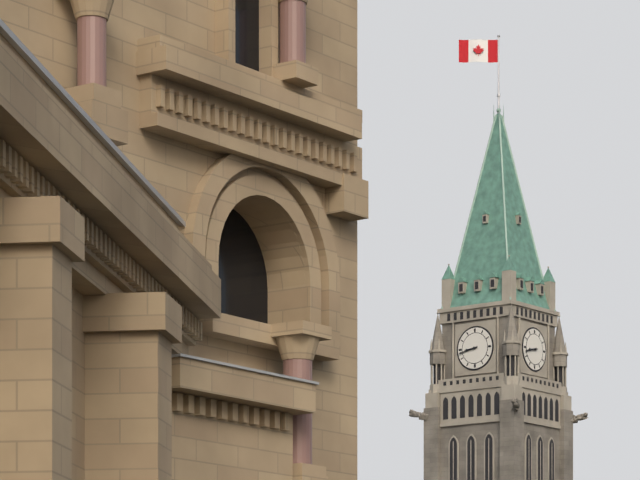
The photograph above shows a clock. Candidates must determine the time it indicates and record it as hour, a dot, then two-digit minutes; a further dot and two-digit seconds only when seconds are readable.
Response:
8.43
